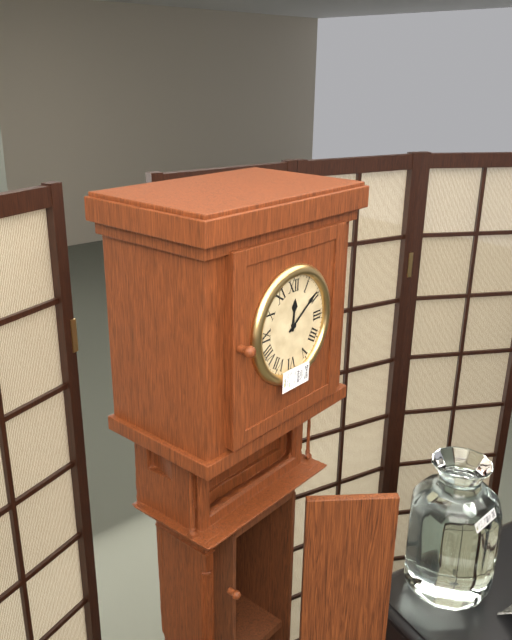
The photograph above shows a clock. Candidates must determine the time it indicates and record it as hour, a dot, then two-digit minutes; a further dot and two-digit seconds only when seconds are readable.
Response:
12.09
